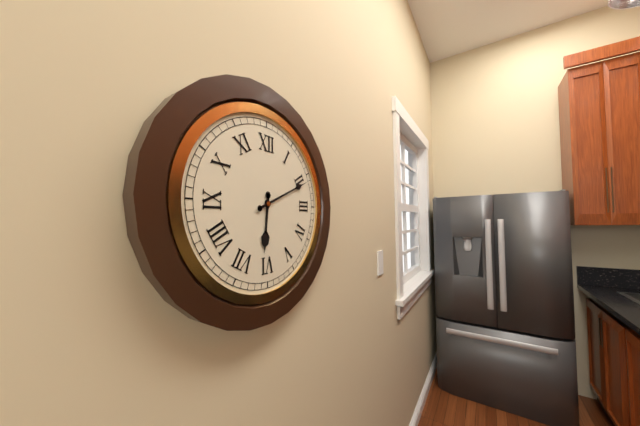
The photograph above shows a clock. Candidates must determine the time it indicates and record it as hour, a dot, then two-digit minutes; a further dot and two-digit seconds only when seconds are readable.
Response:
6.11
